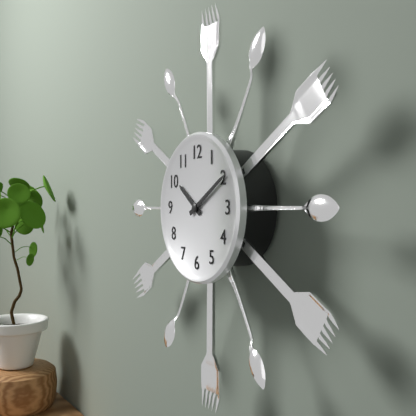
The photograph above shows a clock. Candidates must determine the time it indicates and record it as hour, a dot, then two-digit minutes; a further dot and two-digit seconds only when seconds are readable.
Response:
10.10
